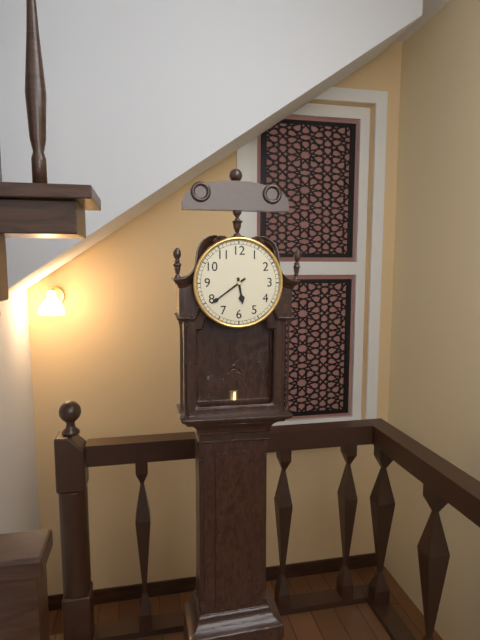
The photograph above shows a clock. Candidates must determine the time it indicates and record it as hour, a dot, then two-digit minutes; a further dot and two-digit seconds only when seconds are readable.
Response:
5.39
